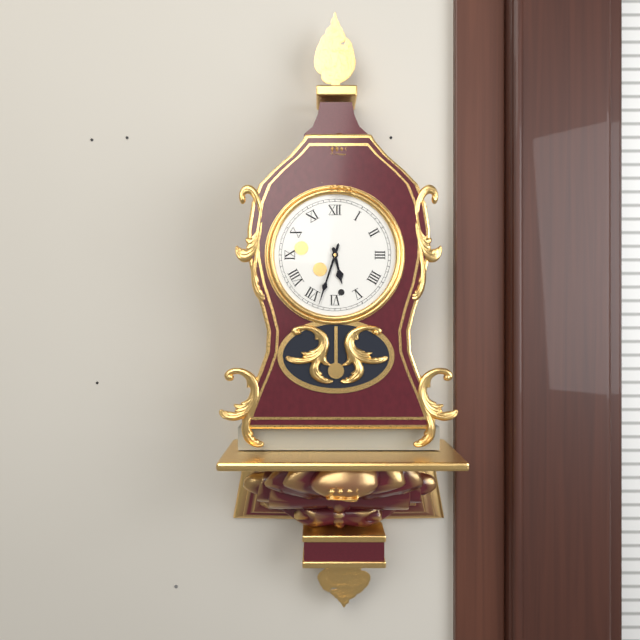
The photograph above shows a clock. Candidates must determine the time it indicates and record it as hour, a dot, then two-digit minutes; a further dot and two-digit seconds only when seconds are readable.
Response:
5.33
